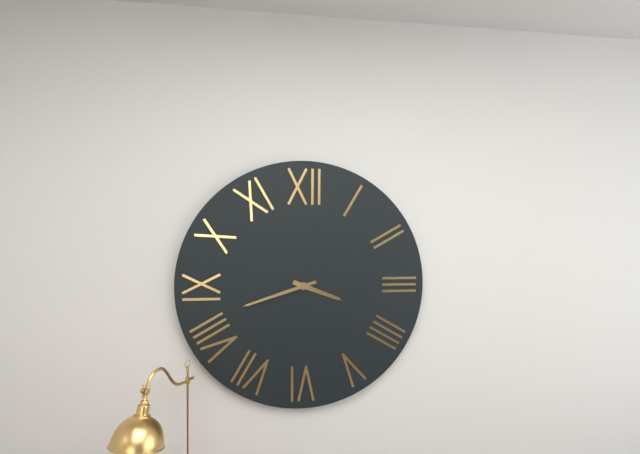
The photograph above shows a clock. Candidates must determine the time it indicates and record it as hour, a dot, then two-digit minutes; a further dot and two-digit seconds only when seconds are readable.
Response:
3.42
